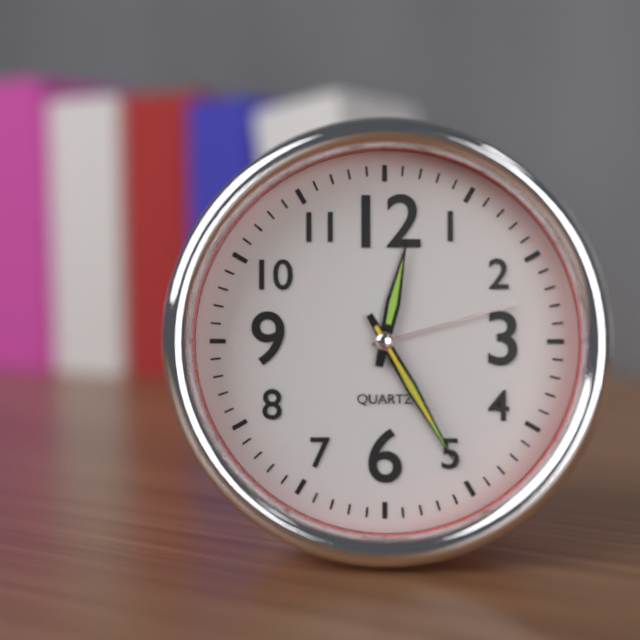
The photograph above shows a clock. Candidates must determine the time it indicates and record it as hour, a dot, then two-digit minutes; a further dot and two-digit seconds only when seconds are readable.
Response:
12.25.25
